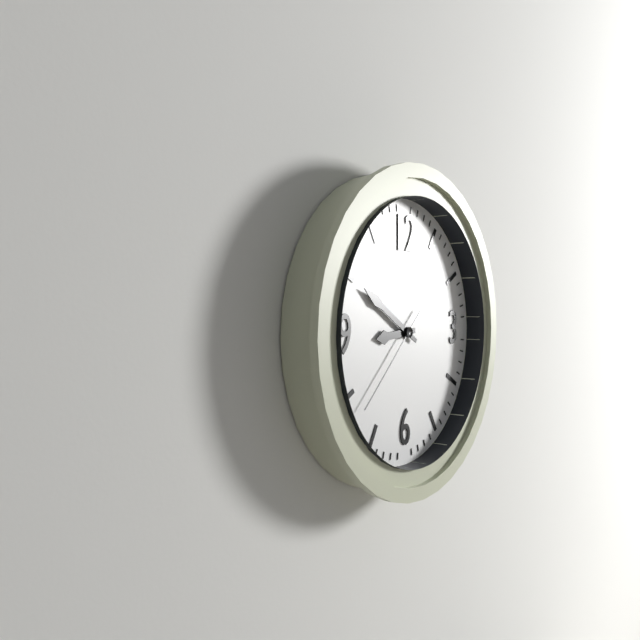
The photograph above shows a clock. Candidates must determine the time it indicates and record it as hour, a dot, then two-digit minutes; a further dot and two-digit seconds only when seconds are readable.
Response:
8.50.38
